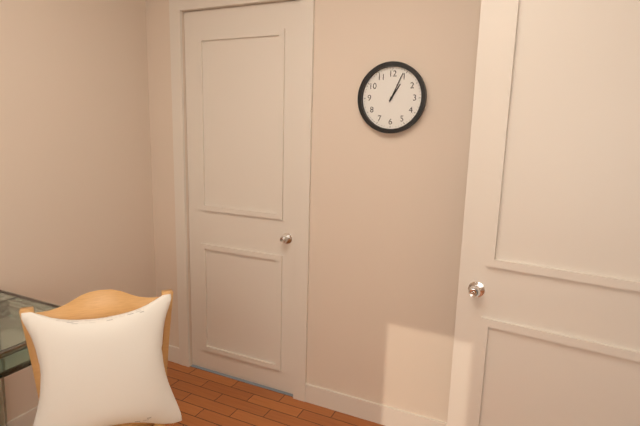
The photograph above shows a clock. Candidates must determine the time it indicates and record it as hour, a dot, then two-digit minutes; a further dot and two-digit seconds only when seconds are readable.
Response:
1.04
